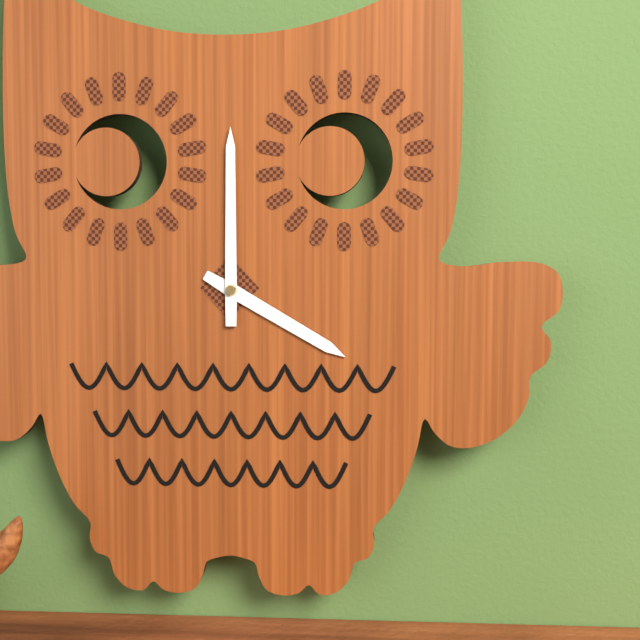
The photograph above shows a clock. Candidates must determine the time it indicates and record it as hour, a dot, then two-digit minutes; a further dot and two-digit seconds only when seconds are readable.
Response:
4.00
